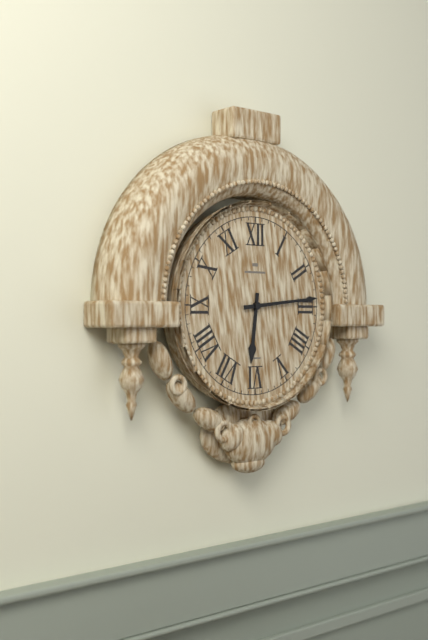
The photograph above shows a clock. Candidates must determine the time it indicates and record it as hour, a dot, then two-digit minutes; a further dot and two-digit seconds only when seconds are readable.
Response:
6.14
